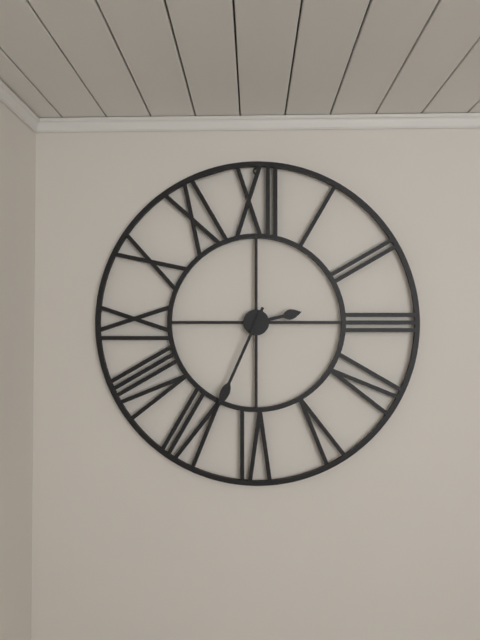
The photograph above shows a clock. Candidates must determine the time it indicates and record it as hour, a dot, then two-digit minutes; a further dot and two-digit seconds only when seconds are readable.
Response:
2.34
